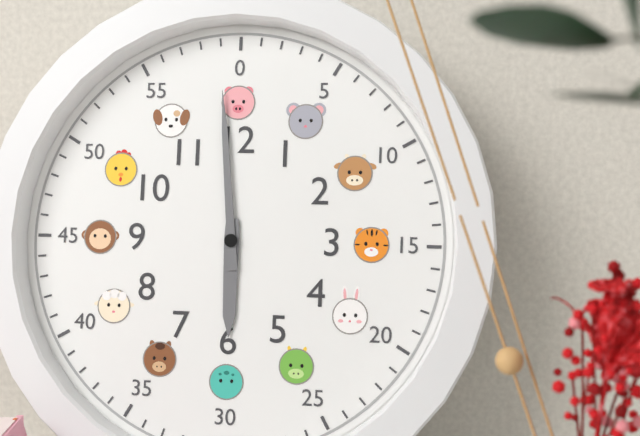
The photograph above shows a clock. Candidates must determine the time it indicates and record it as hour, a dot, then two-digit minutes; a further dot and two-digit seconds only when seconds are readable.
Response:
5.59
